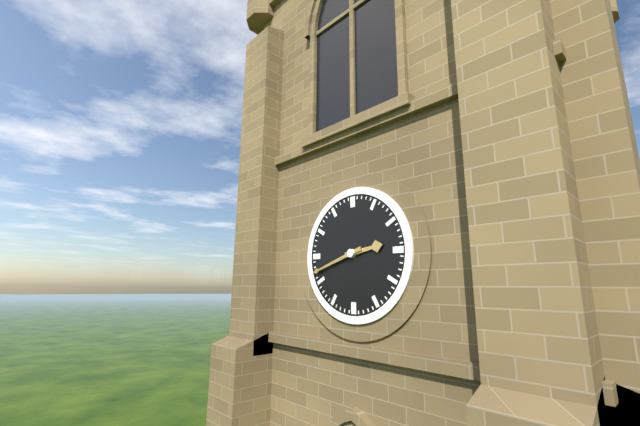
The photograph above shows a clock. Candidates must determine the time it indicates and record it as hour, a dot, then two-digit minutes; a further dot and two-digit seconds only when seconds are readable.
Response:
2.42
